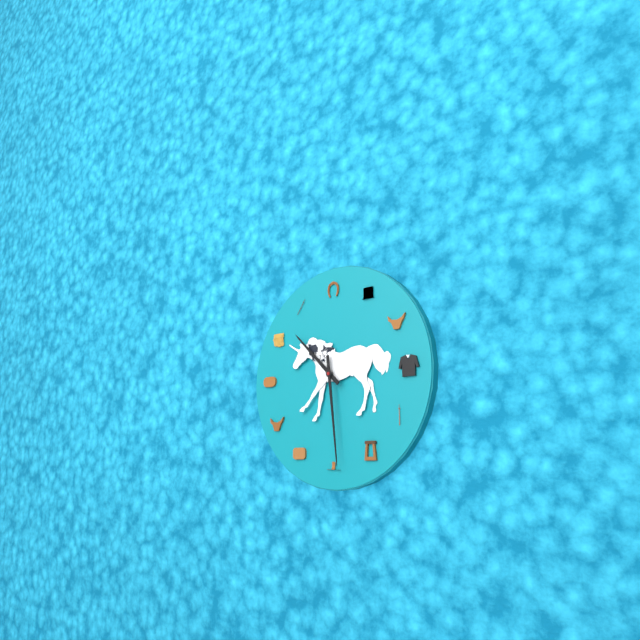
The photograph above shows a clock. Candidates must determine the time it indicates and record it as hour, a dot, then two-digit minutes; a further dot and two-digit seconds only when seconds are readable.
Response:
10.29
